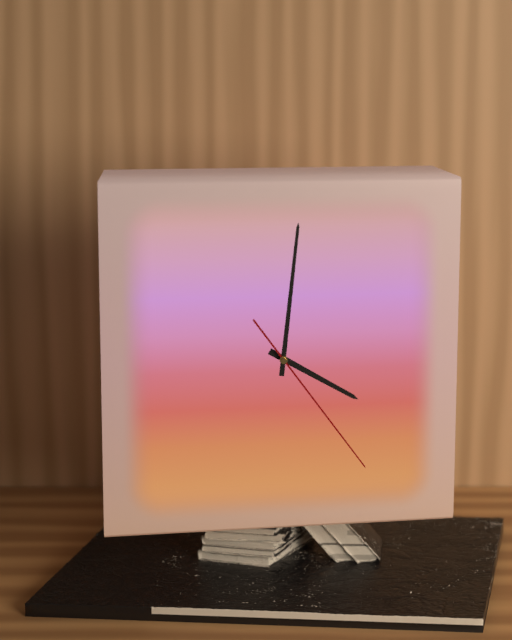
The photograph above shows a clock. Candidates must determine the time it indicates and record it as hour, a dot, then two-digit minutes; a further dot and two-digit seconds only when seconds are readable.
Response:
4.01.24
